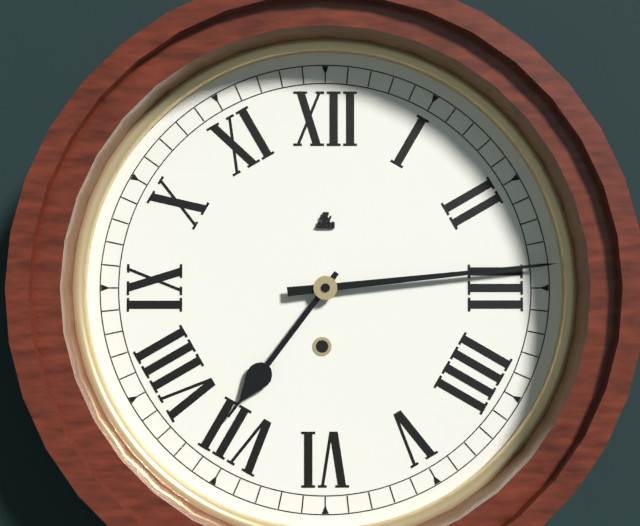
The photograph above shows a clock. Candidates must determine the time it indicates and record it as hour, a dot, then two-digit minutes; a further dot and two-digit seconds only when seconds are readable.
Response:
7.14
